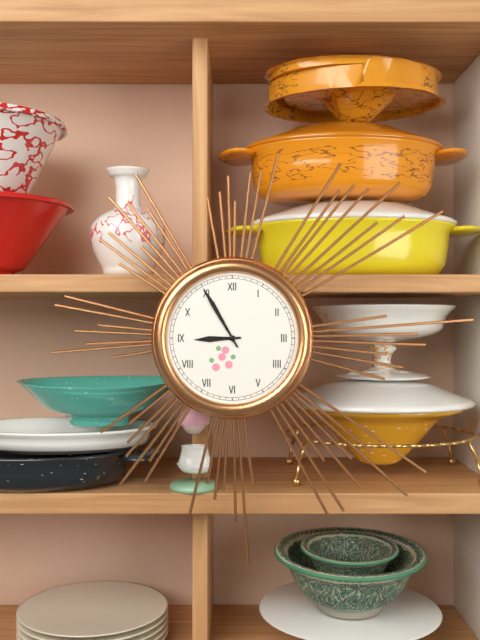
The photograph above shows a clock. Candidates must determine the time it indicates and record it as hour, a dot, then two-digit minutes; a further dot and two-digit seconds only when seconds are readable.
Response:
8.55
